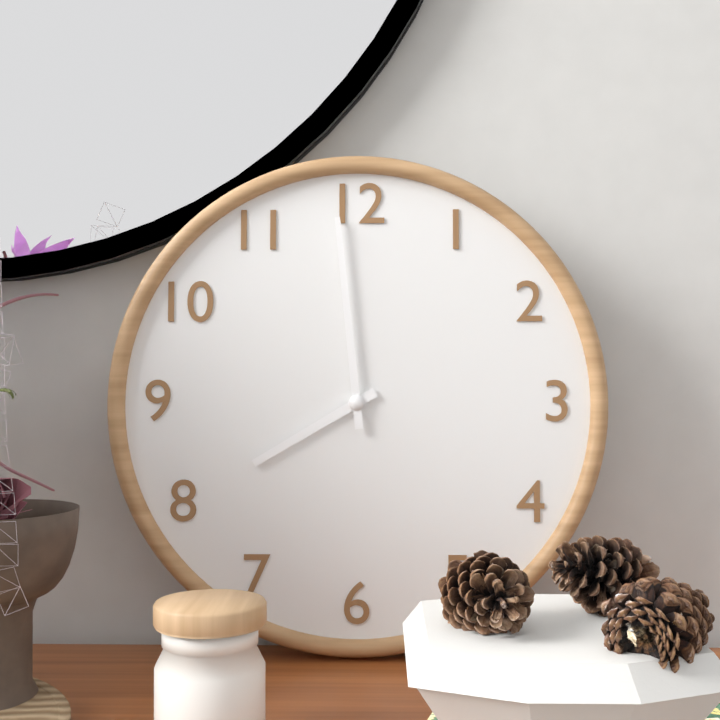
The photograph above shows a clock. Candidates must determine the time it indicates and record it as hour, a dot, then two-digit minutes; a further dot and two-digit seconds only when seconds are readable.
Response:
7.59
